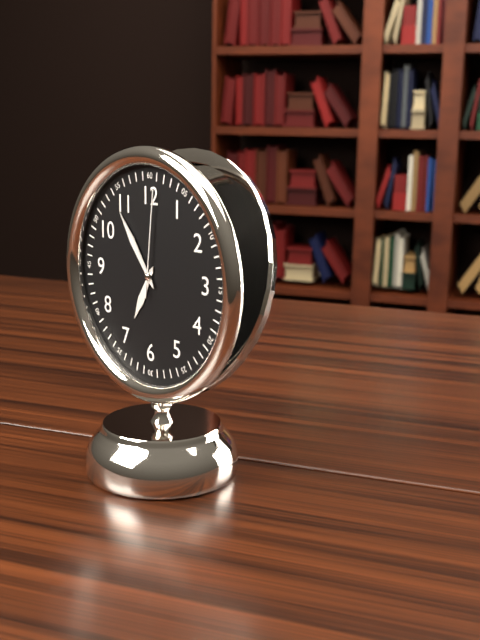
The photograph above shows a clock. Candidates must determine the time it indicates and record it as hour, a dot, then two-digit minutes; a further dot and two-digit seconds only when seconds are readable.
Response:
6.54.01
